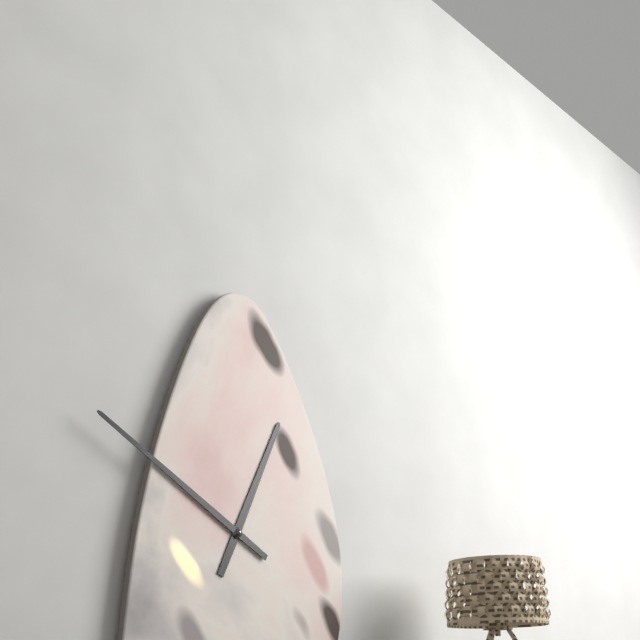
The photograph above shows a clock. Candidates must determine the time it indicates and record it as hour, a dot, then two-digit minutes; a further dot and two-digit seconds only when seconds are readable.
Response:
12.50
